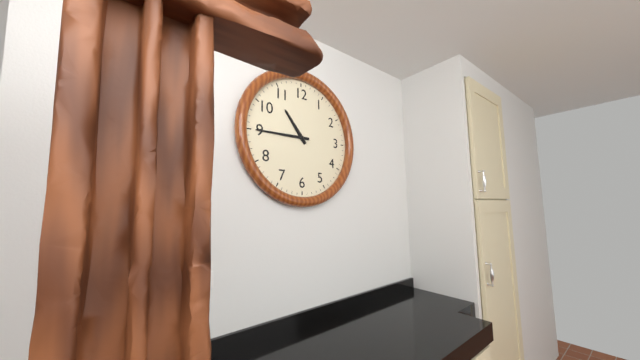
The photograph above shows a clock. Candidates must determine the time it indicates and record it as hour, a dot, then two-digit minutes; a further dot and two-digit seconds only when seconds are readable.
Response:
10.45
